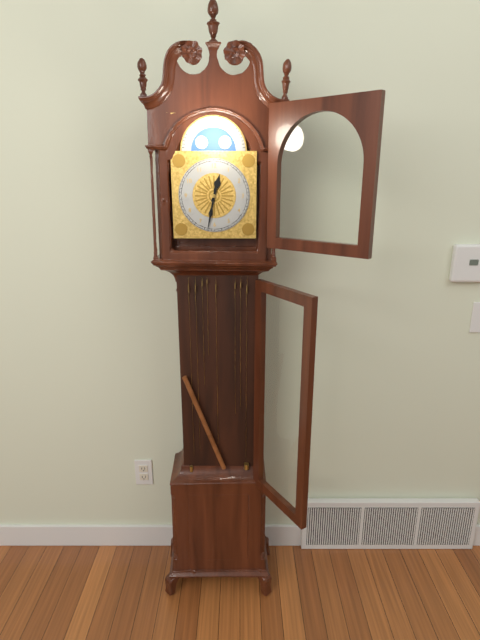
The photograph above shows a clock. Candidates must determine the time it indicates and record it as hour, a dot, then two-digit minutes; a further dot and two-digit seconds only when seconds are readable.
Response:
12.32
